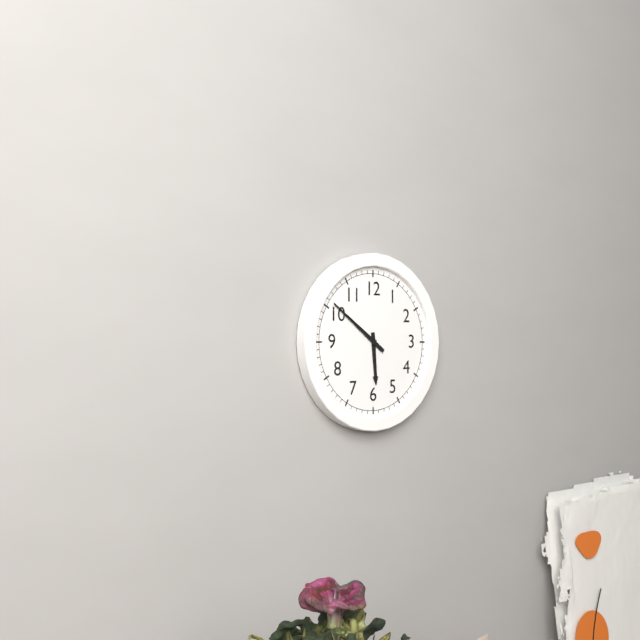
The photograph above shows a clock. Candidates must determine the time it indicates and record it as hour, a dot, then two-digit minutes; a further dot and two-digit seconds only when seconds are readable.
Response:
5.51
